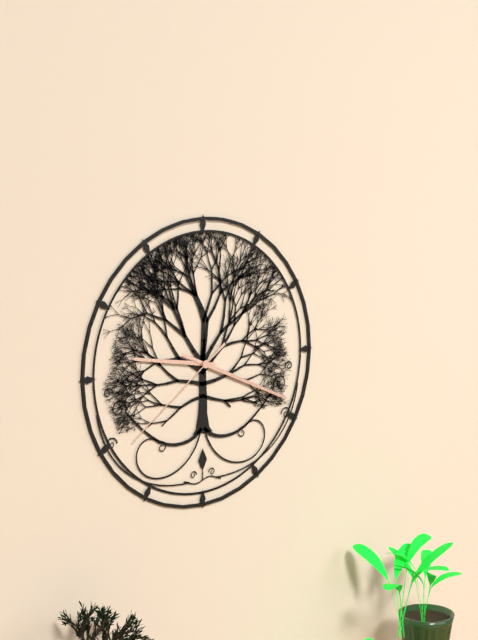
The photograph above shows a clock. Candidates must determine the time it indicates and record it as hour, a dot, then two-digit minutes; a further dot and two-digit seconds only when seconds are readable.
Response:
9.19.39
